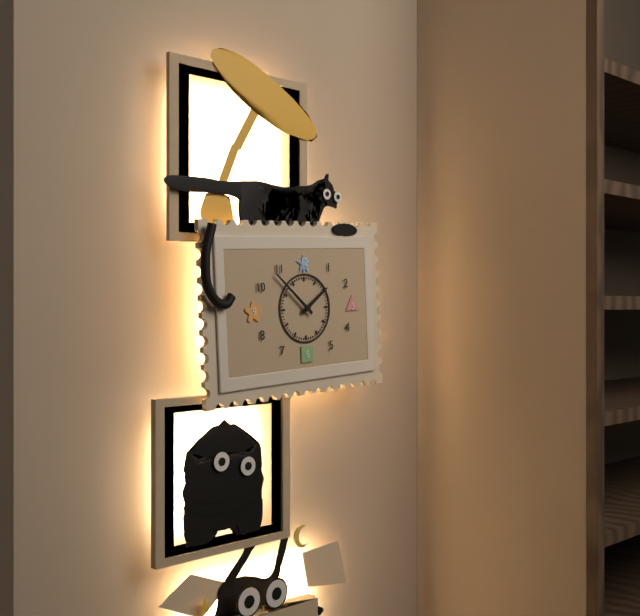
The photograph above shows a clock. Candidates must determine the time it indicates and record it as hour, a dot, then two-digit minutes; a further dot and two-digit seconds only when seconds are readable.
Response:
1.52
